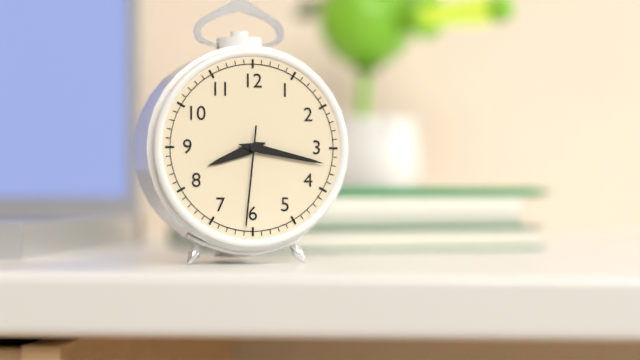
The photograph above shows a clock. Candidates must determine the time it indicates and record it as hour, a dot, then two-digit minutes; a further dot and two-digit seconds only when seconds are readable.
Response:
8.17.31
